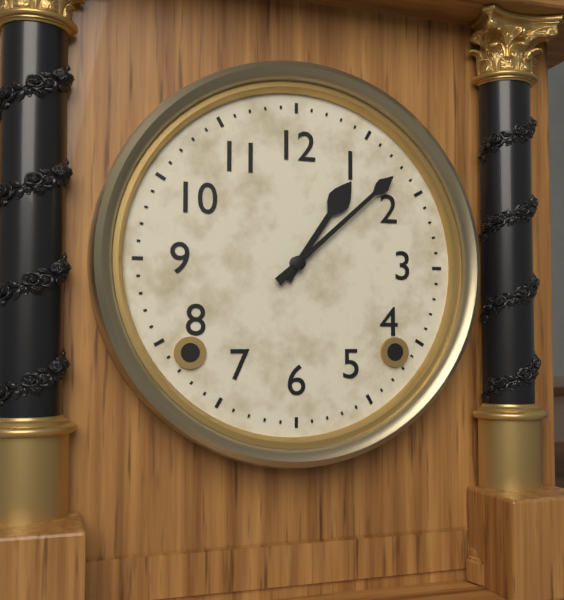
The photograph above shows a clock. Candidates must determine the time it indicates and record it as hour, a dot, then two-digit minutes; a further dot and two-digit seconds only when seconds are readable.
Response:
1.08
